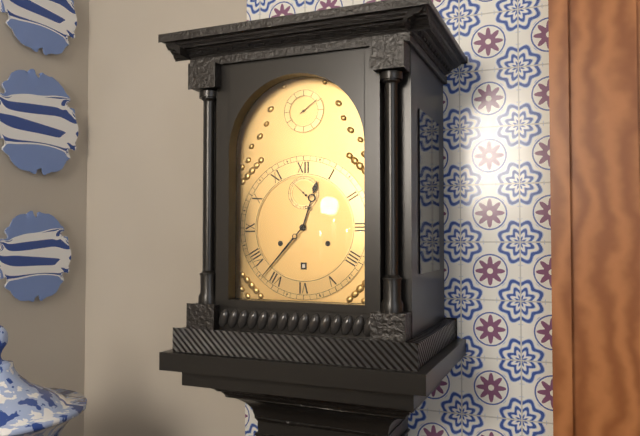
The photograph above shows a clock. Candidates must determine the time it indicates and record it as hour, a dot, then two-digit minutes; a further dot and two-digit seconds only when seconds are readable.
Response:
12.37
